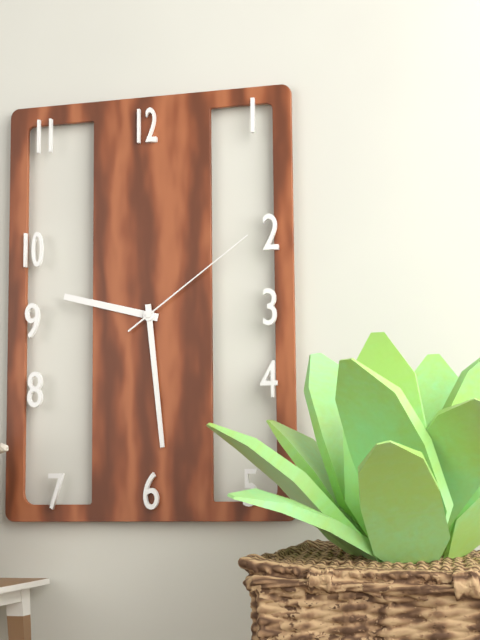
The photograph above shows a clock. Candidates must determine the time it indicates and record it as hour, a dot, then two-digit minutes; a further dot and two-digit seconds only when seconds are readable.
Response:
9.29.09
